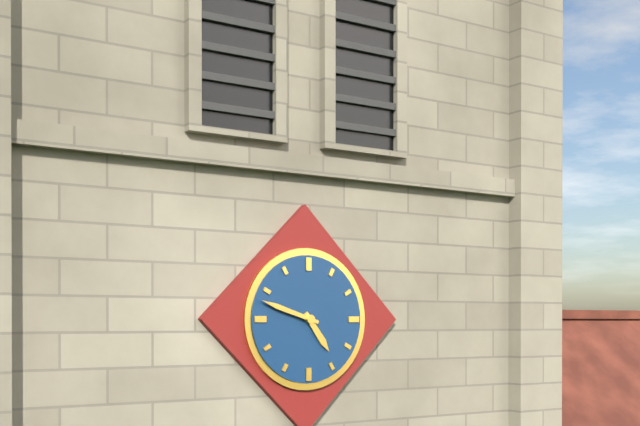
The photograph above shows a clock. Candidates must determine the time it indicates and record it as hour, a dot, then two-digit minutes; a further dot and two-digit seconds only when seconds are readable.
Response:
4.48
